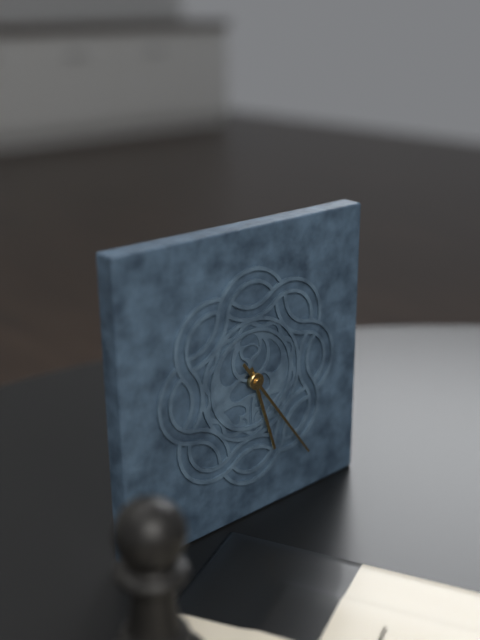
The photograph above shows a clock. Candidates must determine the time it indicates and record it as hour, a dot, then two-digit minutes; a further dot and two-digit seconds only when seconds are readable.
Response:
5.24
